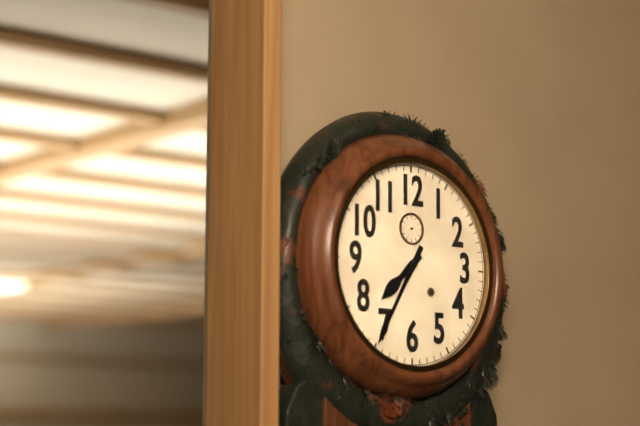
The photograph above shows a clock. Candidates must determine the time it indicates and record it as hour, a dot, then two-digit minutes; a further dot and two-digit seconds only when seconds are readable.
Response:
7.35
